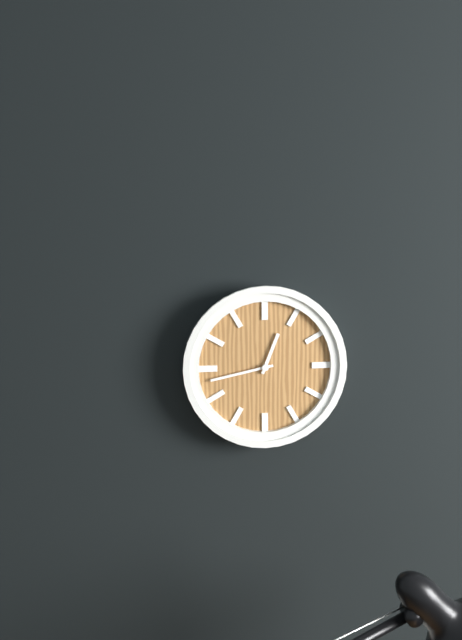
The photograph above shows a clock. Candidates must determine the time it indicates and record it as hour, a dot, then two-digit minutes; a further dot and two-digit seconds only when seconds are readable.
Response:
12.43
